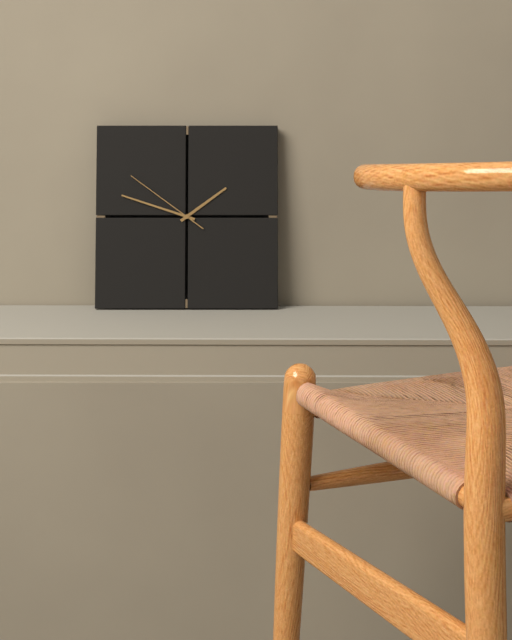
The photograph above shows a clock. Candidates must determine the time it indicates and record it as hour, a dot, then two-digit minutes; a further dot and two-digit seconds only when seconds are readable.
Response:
1.48.51
